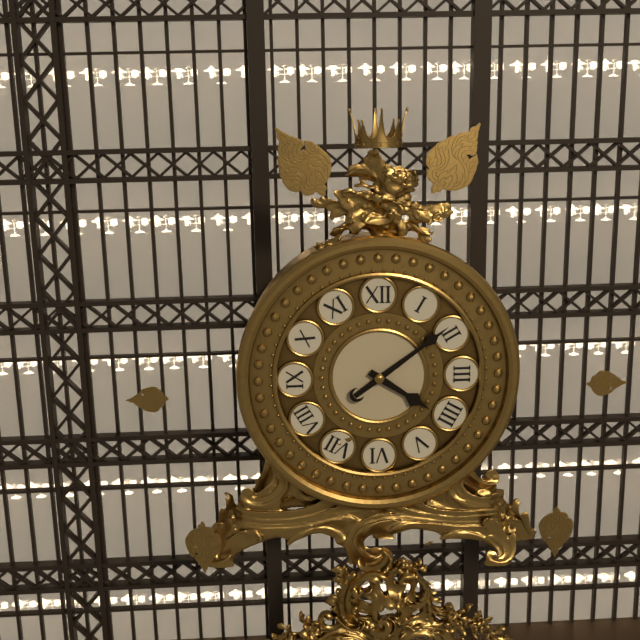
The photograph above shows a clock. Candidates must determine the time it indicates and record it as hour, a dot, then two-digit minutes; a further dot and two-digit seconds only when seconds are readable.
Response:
4.09
